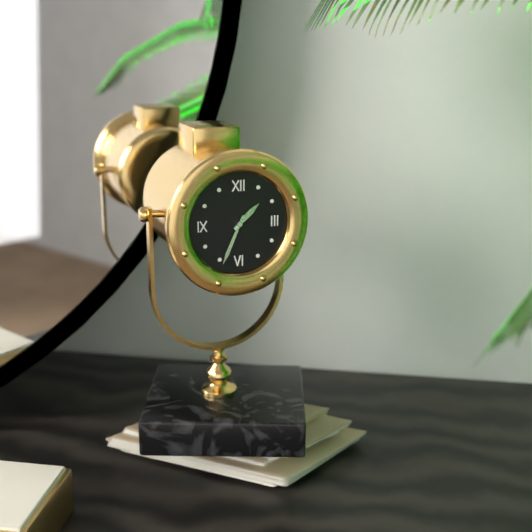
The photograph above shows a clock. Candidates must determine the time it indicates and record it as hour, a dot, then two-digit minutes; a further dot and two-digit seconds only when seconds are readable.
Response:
1.34
